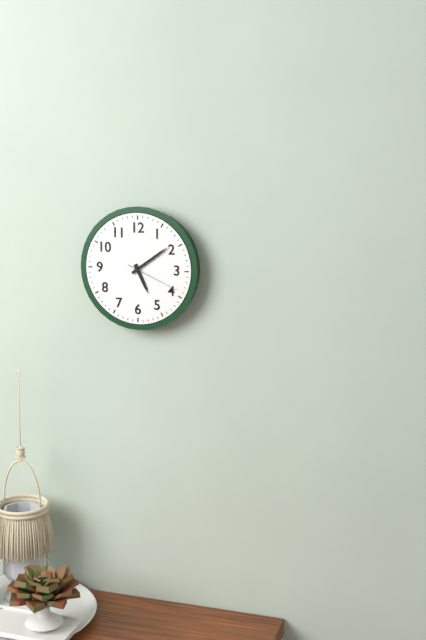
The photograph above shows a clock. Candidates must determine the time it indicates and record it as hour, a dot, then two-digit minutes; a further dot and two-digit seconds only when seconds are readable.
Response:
5.09.19
